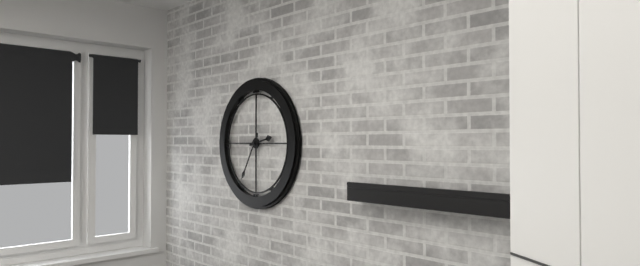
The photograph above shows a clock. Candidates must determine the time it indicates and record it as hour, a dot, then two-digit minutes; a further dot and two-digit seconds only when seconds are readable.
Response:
2.35
